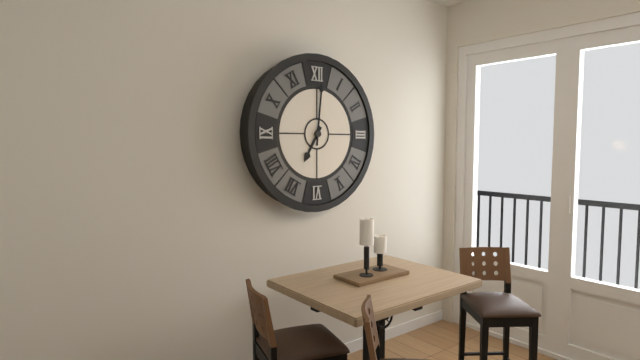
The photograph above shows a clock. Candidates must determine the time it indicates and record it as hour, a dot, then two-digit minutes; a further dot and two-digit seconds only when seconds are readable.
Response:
7.01
